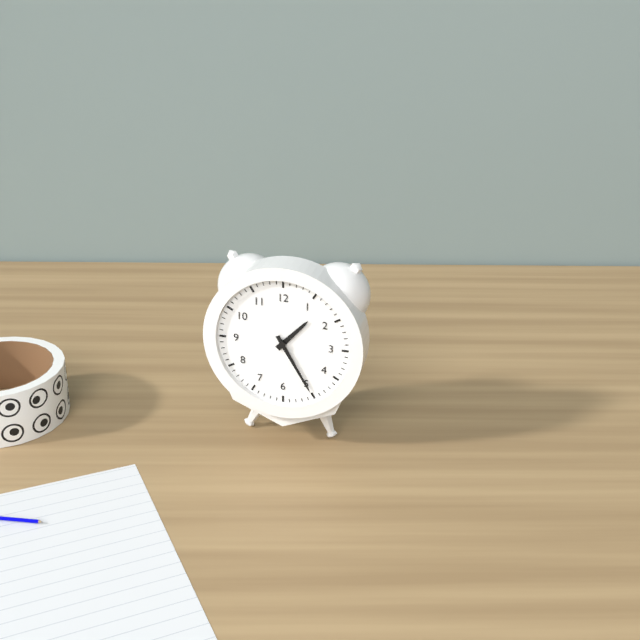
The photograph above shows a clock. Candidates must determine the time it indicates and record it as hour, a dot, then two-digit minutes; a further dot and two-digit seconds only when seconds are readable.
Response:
1.25
